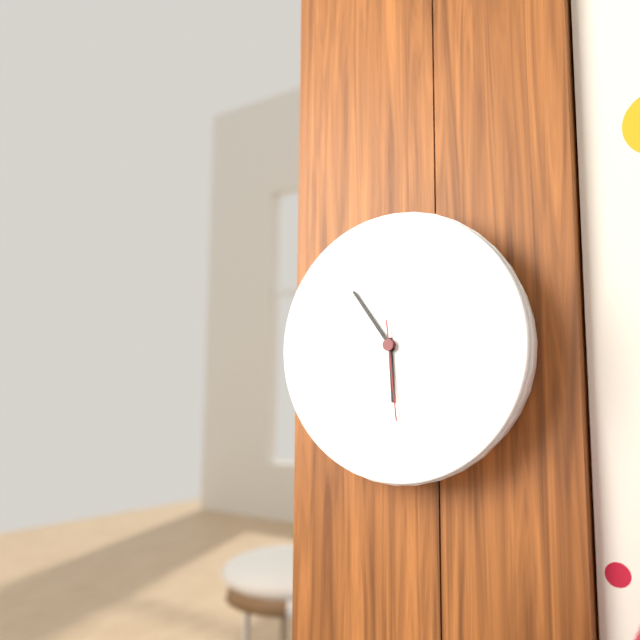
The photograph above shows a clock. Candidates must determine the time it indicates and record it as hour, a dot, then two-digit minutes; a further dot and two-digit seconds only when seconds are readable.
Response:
5.54.29
